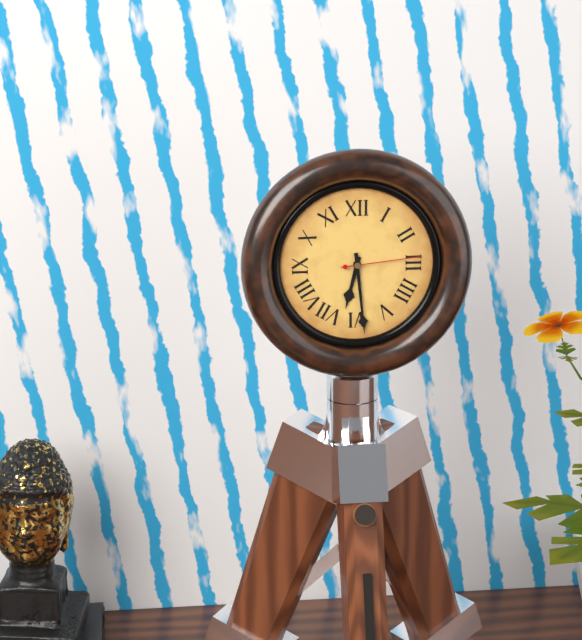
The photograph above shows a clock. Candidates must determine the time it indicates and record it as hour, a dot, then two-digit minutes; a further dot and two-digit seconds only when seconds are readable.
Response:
6.29.14
